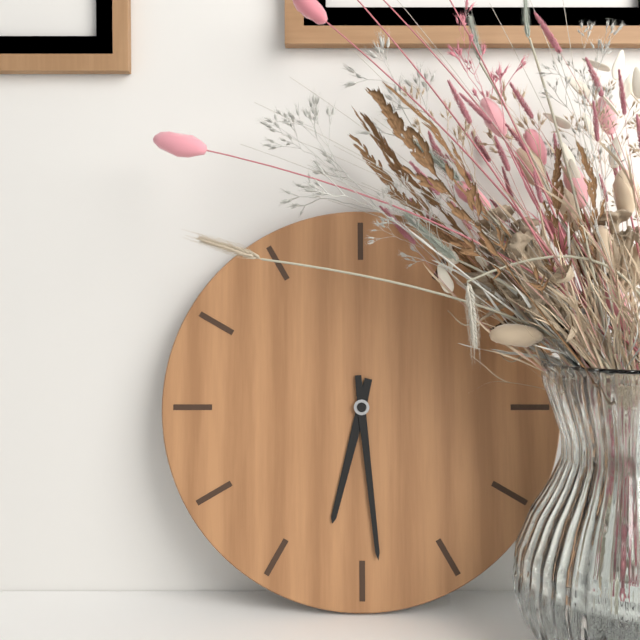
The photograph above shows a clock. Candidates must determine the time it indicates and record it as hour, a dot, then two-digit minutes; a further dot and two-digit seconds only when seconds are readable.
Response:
6.29
